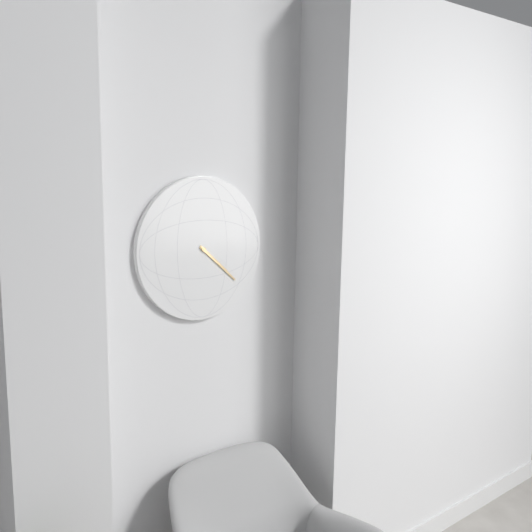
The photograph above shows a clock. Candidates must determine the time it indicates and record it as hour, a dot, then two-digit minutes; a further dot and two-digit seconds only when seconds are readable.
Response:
4.22
